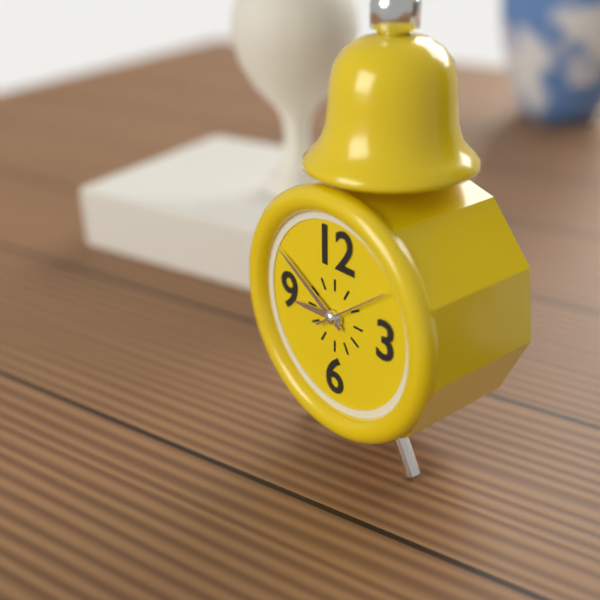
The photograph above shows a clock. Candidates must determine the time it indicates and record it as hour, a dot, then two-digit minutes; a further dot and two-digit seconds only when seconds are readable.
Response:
8.50.09
